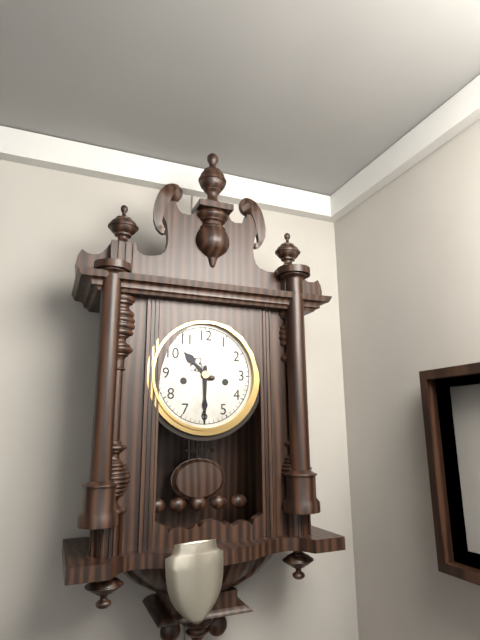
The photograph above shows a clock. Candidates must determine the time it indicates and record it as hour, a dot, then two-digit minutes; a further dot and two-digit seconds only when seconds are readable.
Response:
10.30
